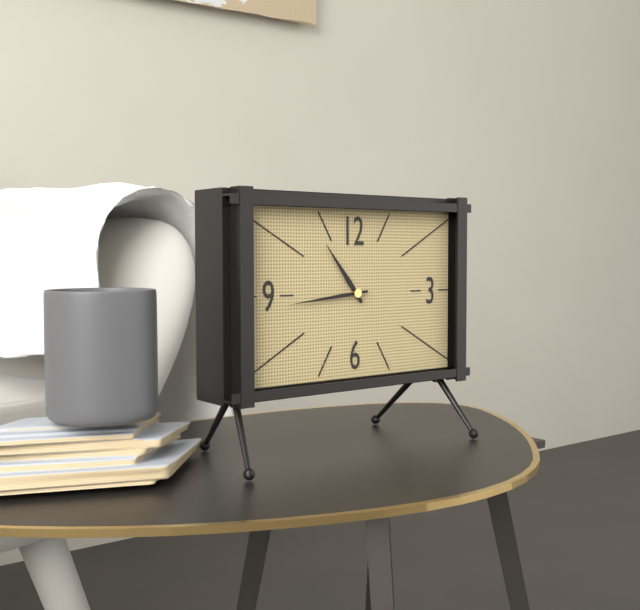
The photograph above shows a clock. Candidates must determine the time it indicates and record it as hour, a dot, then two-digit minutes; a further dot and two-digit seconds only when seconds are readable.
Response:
10.44
